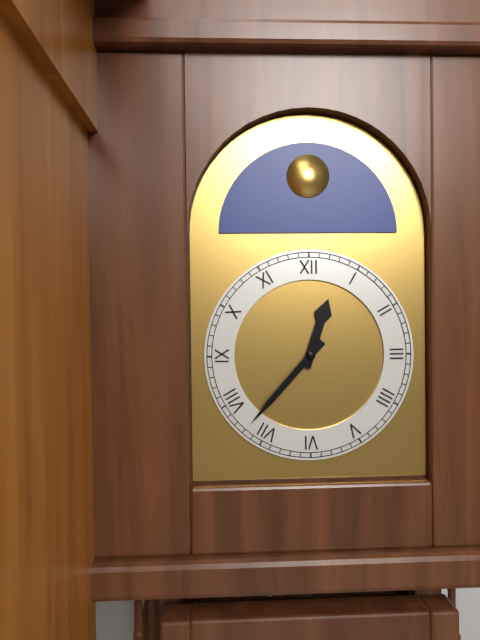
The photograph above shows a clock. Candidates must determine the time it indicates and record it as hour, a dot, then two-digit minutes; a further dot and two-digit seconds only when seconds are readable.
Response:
12.37
